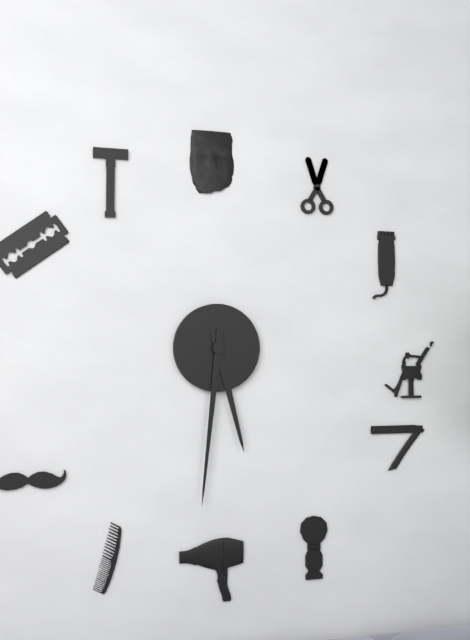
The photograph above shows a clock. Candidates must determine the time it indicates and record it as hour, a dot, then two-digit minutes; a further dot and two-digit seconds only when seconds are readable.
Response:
5.31
